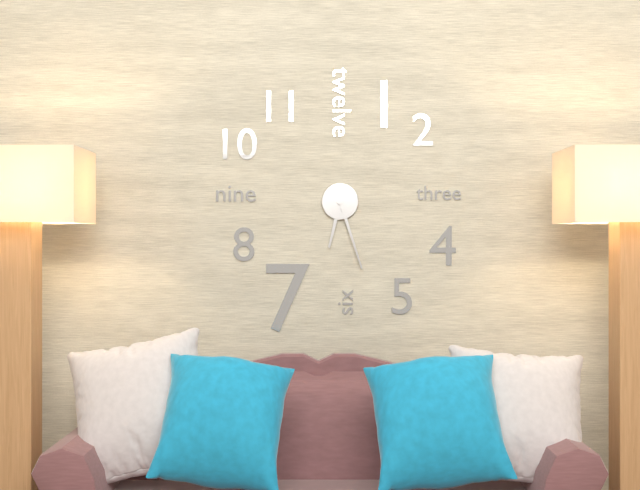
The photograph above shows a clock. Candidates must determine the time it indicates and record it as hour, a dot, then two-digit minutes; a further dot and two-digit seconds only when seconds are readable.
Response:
6.27
